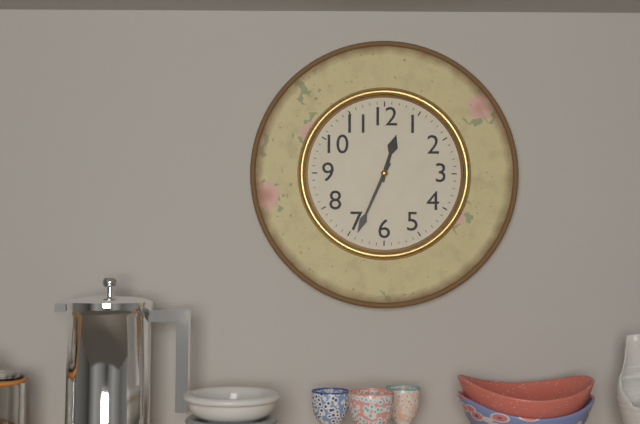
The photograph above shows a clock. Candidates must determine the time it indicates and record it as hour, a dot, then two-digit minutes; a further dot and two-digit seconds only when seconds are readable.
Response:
12.34
